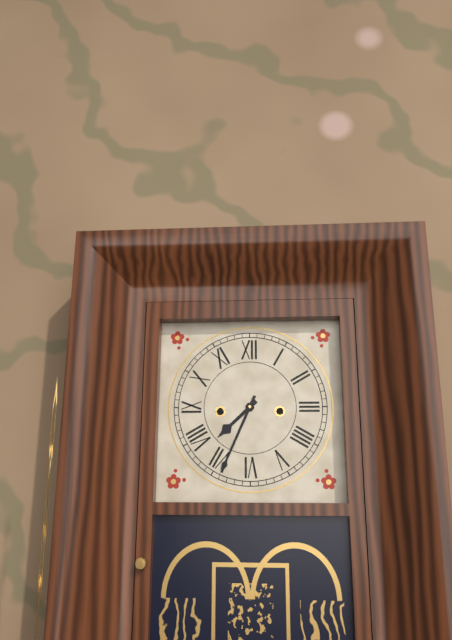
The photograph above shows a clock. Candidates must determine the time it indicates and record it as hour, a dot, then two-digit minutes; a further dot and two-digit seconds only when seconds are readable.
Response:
7.34
